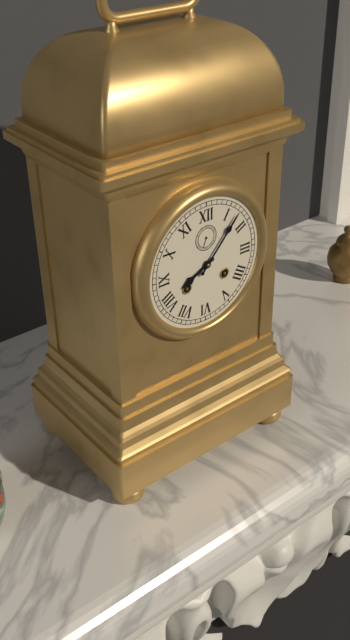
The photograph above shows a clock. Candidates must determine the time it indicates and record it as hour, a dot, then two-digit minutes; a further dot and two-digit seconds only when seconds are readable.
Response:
8.07
